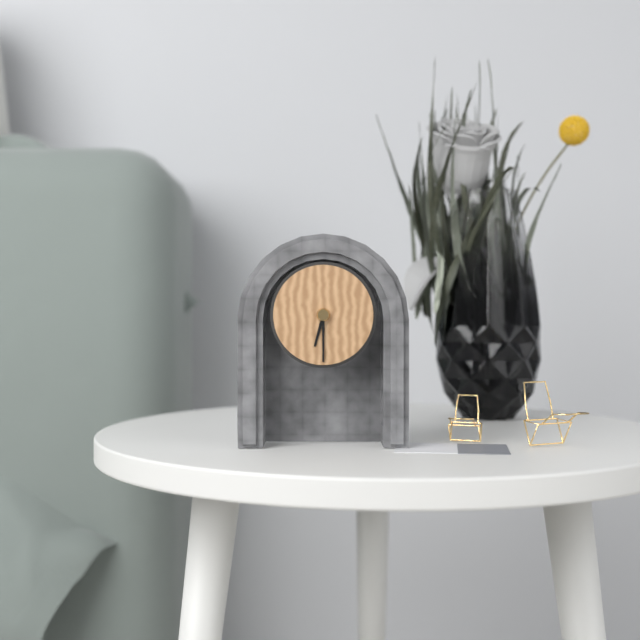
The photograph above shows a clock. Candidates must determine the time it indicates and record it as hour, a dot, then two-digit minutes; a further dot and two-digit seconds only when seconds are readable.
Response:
6.30
